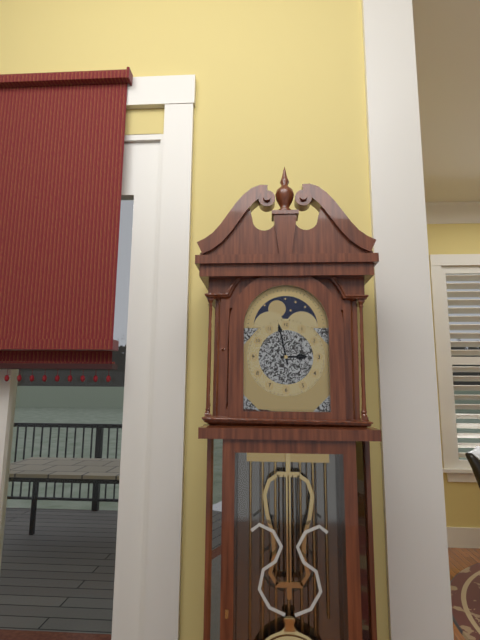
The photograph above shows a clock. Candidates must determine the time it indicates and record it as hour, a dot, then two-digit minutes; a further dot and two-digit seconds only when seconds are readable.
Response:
2.58
